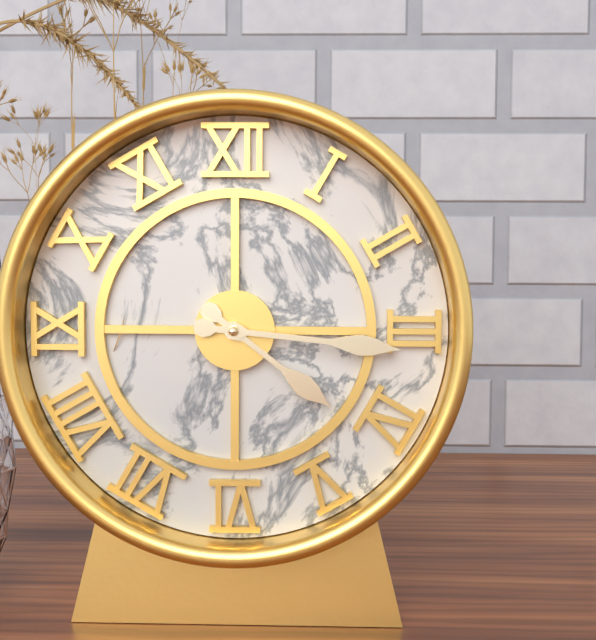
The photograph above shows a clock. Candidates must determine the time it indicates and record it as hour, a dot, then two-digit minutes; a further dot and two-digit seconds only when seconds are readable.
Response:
4.16
